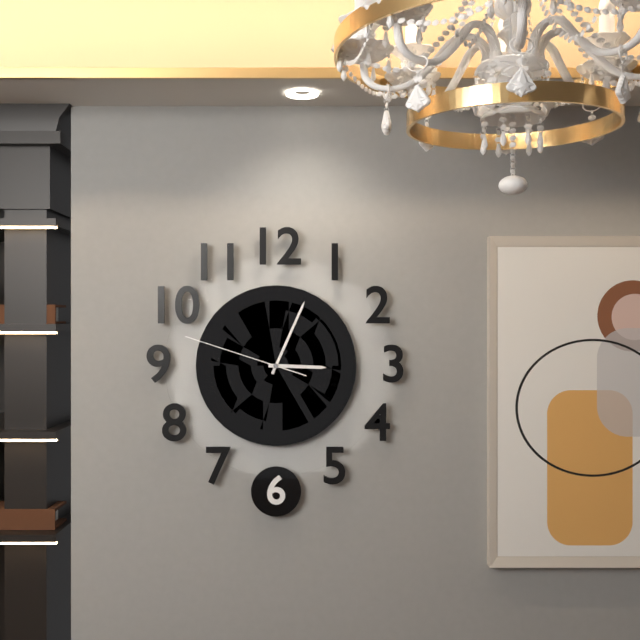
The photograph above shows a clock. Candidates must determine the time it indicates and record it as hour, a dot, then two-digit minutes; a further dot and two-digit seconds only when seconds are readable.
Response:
3.04.48
